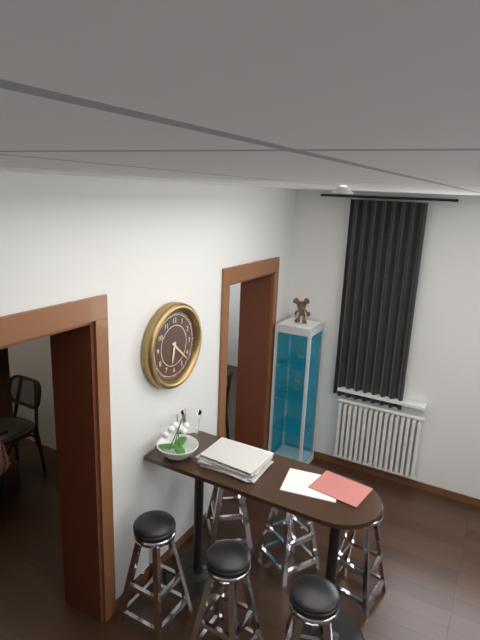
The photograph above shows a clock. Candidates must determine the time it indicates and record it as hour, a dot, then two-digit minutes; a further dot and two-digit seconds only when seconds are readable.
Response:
6.22
